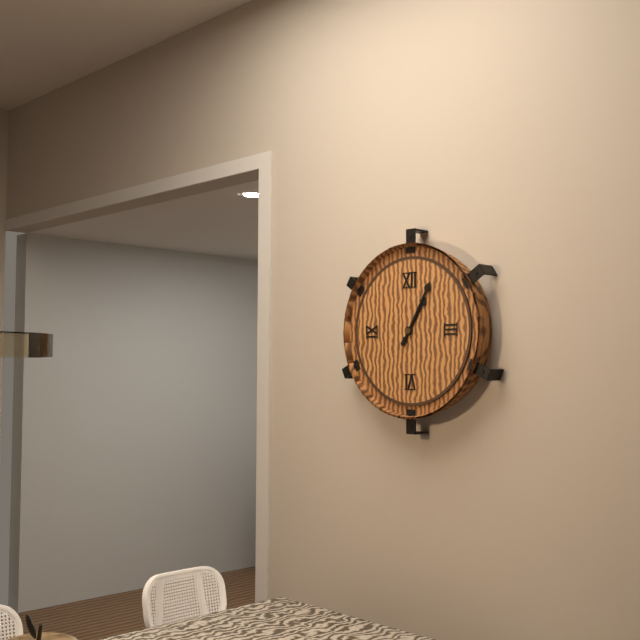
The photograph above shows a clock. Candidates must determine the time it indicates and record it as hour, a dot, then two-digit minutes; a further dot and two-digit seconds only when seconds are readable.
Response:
1.05
